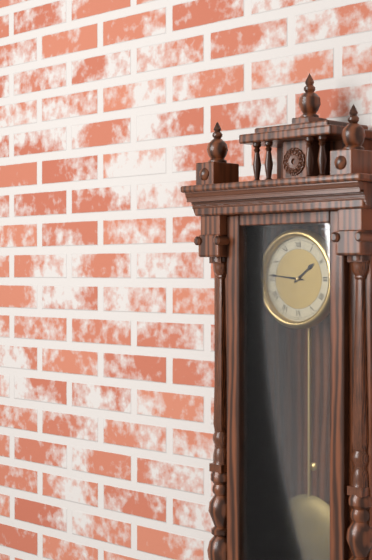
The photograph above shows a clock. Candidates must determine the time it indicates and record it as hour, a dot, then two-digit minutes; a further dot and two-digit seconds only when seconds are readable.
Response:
1.46
